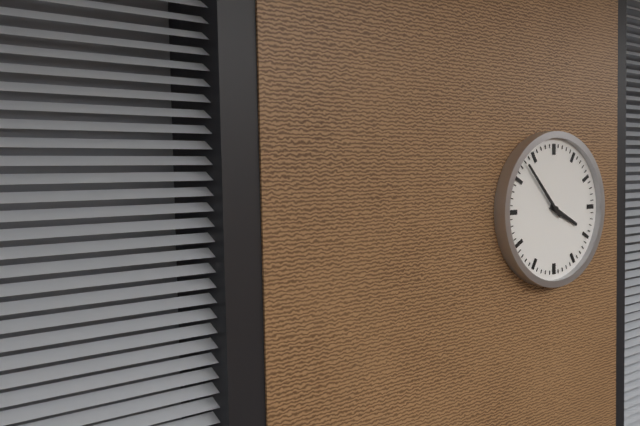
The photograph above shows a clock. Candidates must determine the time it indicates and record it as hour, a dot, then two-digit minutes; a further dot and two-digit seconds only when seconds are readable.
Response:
3.53
